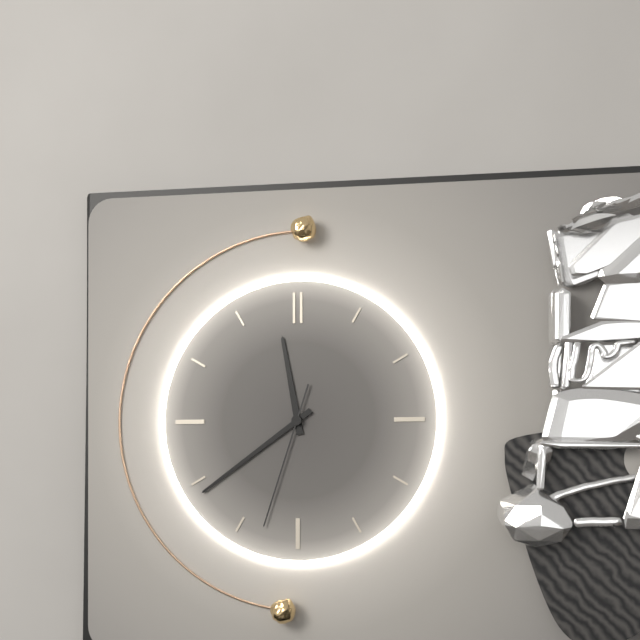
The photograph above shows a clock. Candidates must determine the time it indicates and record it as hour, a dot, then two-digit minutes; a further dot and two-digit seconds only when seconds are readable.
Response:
11.39.33
